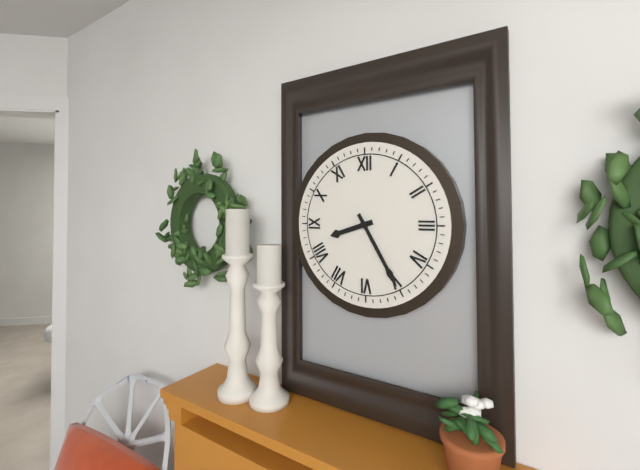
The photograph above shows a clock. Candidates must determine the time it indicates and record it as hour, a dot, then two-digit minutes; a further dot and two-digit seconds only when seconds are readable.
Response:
8.25
